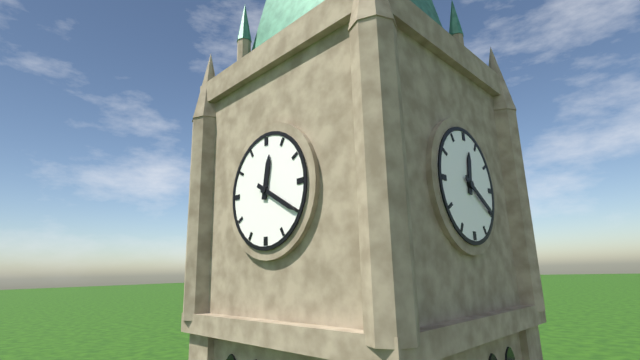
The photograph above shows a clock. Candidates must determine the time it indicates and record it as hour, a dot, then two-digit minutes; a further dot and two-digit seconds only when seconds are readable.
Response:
12.20
